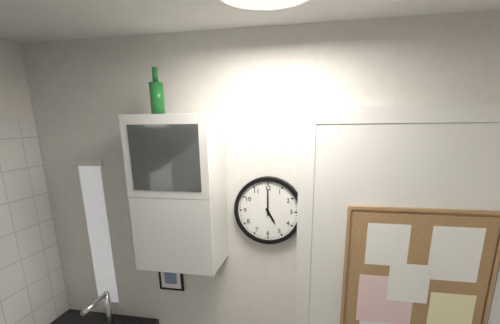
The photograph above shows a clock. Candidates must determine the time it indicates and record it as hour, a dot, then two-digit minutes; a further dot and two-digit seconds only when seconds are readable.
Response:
5.00
